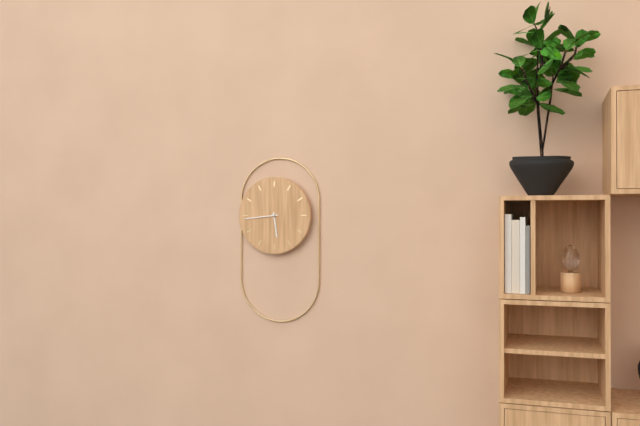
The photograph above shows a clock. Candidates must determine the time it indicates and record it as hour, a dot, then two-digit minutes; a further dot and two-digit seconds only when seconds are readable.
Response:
5.44
